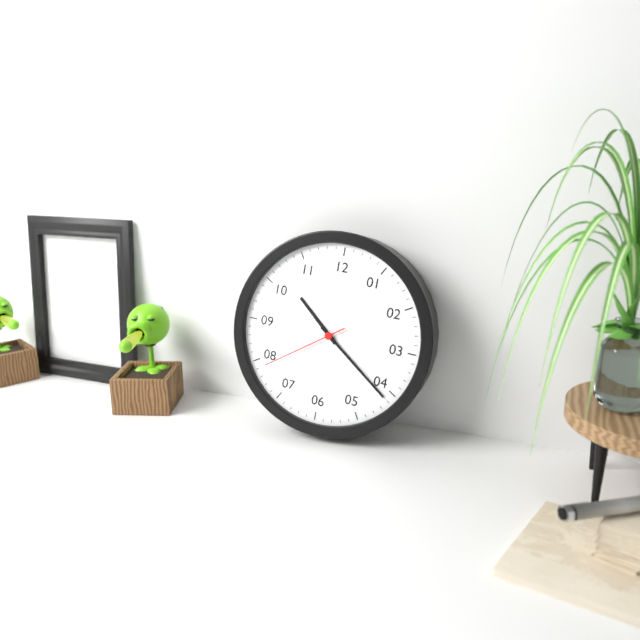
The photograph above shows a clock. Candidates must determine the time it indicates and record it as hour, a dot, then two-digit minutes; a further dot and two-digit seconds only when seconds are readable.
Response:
10.21.39
